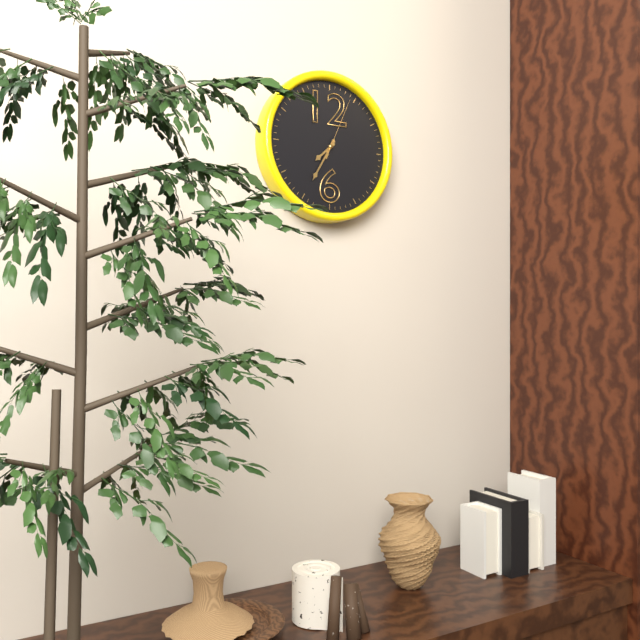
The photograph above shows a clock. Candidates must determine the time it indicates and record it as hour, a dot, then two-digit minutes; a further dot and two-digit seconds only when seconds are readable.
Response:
7.35.04
